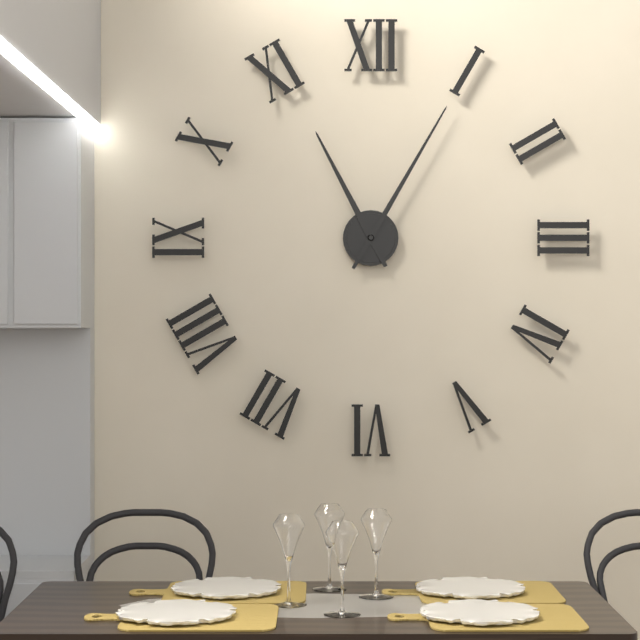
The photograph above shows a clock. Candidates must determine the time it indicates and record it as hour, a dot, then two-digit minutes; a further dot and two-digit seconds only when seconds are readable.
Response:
11.05
